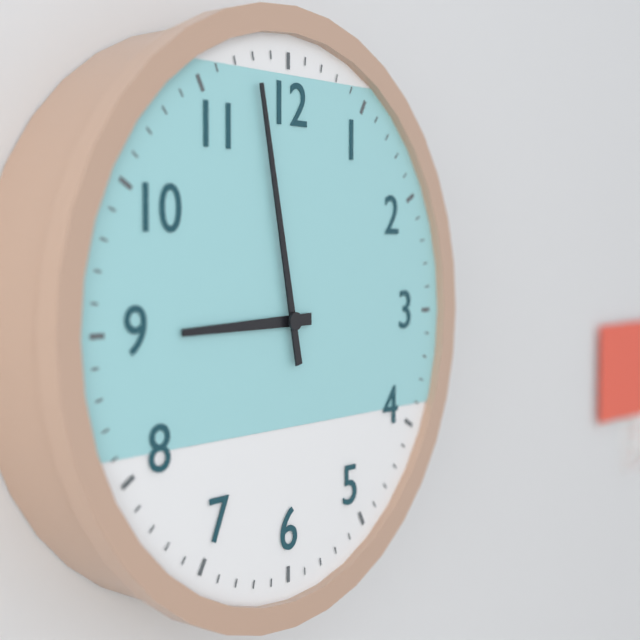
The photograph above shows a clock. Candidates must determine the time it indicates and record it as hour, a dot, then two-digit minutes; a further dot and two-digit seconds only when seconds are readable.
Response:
8.58
